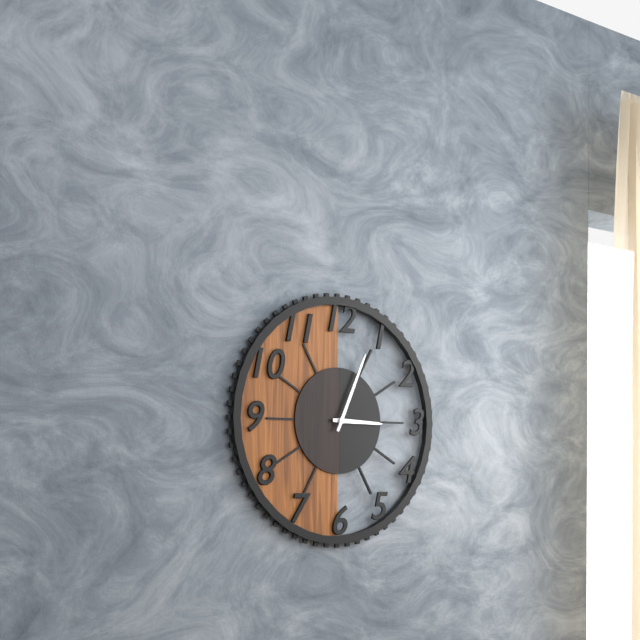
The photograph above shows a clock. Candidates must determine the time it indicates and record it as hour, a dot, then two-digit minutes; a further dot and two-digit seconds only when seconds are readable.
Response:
3.04
